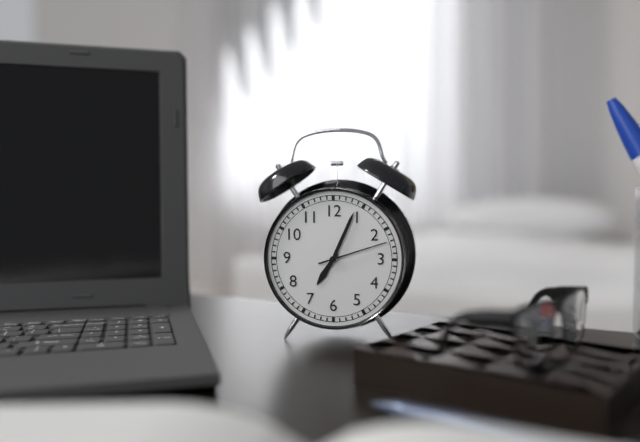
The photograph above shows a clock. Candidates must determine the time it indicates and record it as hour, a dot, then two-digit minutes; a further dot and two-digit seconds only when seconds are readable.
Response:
7.04.12
